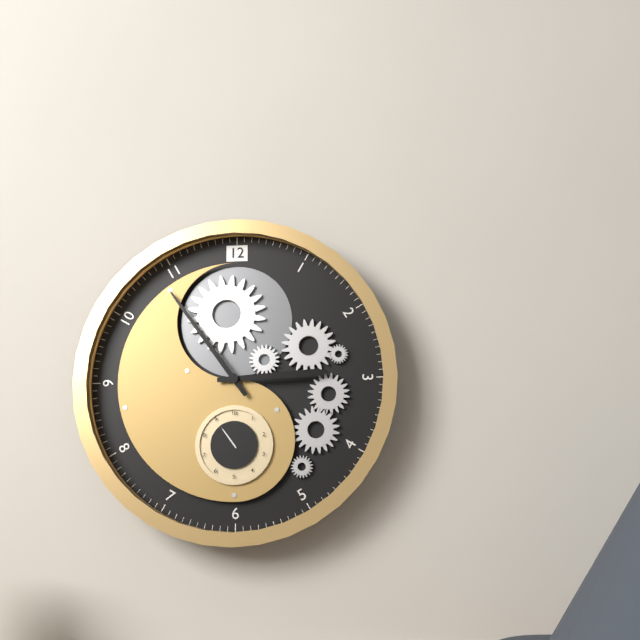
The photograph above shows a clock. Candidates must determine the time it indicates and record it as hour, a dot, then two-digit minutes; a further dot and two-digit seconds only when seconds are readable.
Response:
2.54
